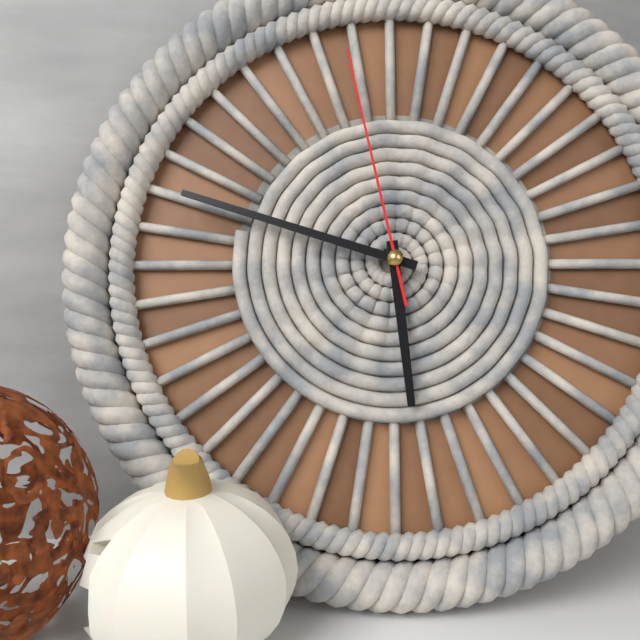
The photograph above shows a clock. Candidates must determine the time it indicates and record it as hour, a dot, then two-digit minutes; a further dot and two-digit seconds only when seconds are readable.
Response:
5.48.58
